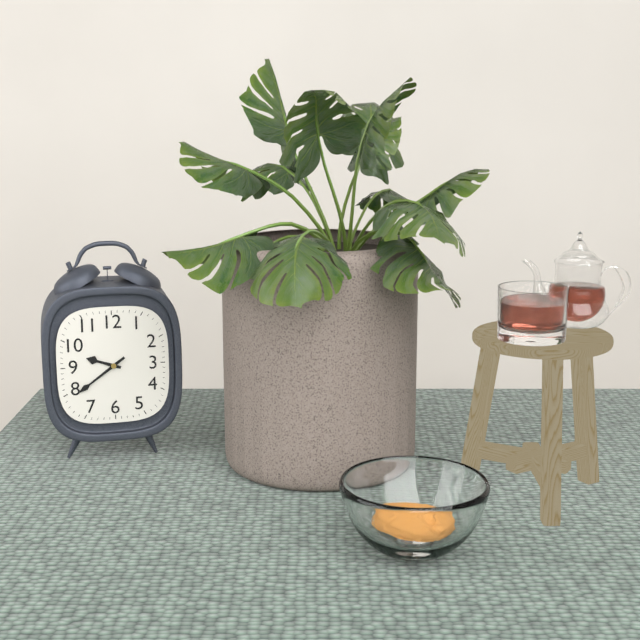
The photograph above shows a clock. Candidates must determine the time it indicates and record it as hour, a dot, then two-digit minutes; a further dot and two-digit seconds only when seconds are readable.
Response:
9.39
